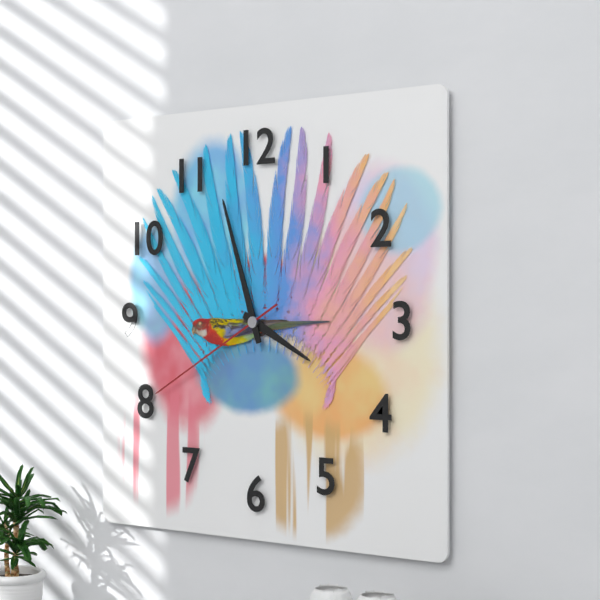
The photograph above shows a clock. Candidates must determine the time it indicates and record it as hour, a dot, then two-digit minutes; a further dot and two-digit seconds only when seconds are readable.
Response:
3.57.40
